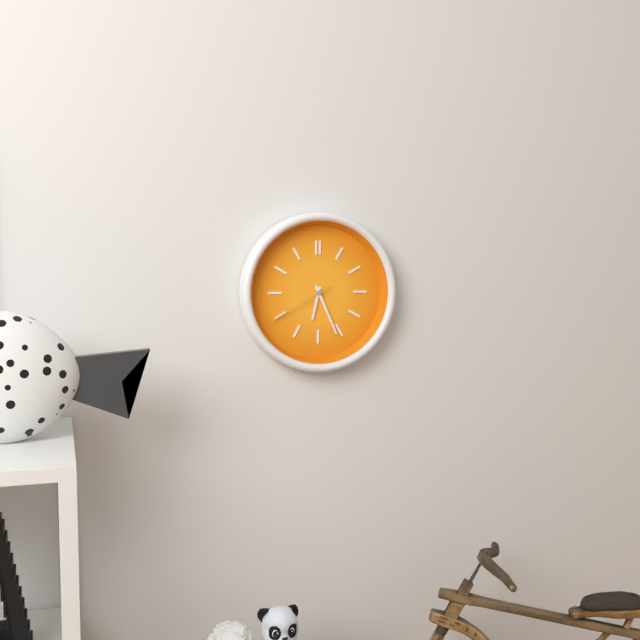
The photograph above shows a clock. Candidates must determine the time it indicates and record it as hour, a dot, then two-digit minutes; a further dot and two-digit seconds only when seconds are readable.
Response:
6.26.40
